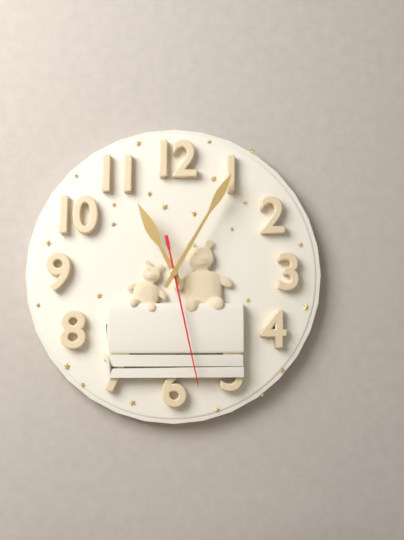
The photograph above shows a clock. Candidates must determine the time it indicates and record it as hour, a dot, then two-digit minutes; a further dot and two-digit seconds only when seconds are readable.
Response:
11.05.28
